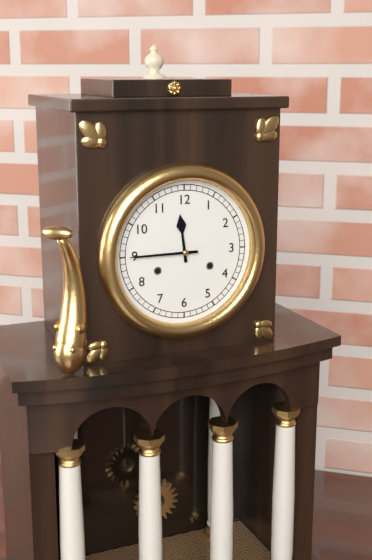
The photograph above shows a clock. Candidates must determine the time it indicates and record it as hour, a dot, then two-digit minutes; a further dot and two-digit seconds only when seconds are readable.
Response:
11.45
